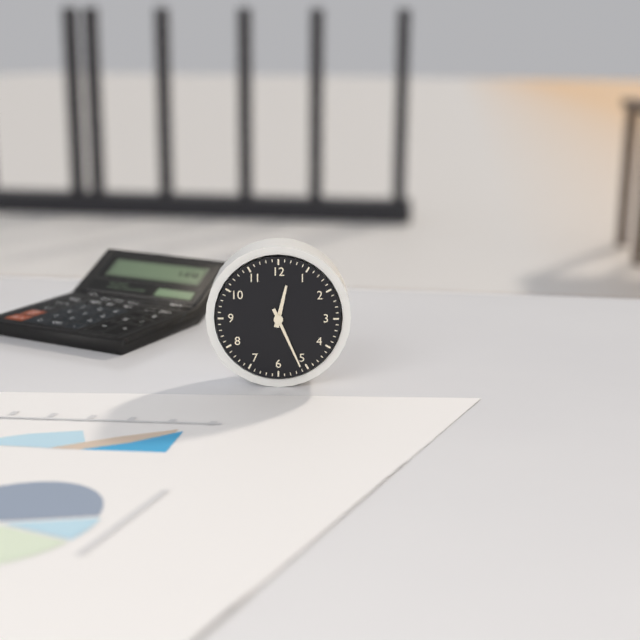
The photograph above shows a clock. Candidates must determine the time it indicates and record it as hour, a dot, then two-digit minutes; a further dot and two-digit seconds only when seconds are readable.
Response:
12.26
